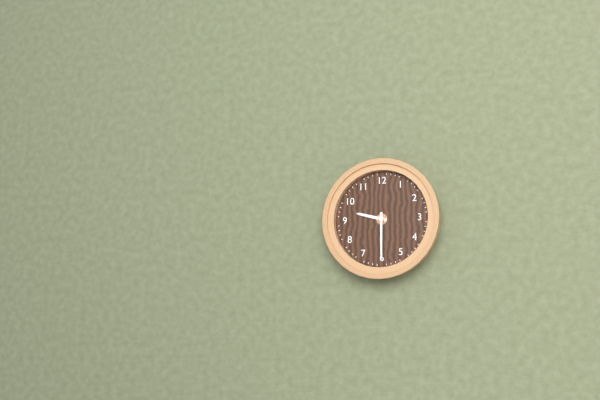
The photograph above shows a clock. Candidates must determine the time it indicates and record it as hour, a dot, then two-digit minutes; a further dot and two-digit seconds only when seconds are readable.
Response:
9.30
